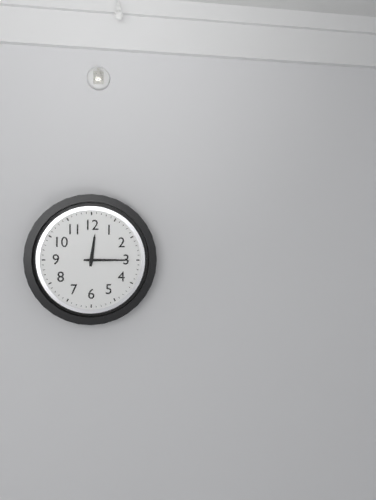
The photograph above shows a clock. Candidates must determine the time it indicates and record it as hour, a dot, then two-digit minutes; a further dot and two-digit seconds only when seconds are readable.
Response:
12.15
